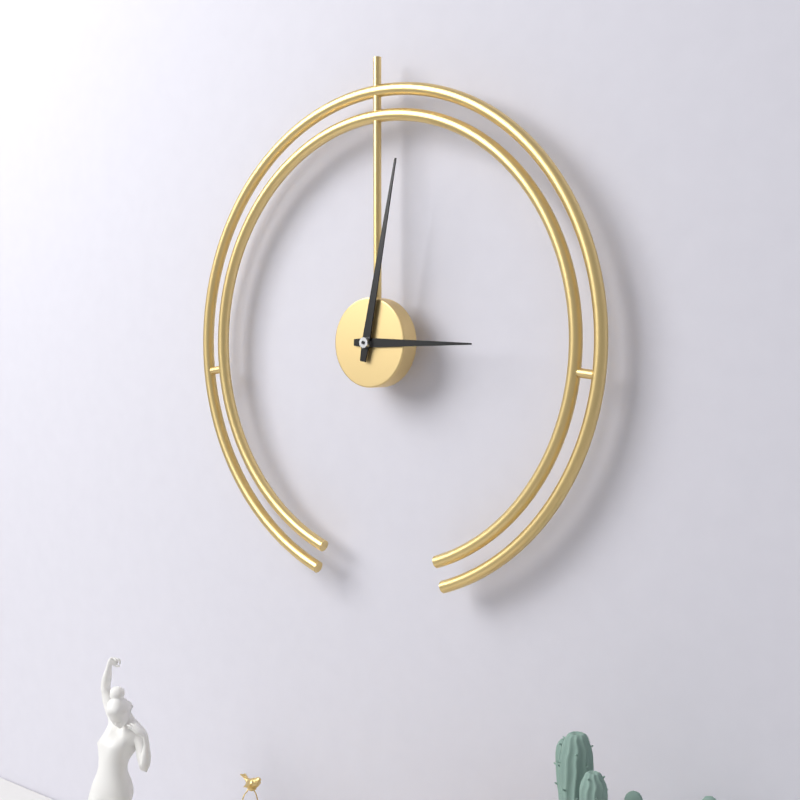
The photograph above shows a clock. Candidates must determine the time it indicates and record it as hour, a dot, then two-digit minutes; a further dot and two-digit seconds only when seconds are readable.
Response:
3.02
